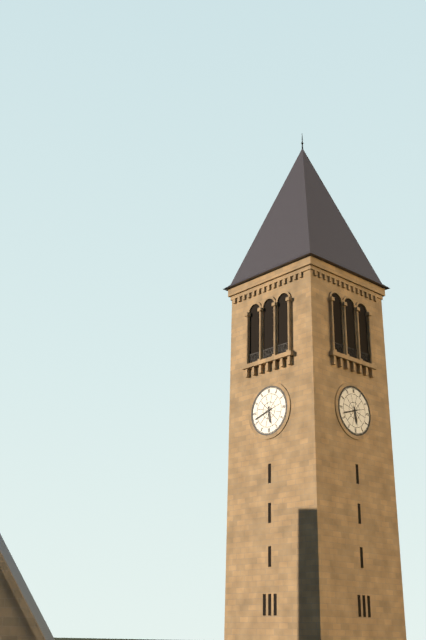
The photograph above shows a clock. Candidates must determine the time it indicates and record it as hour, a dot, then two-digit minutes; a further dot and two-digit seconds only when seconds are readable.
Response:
5.42
